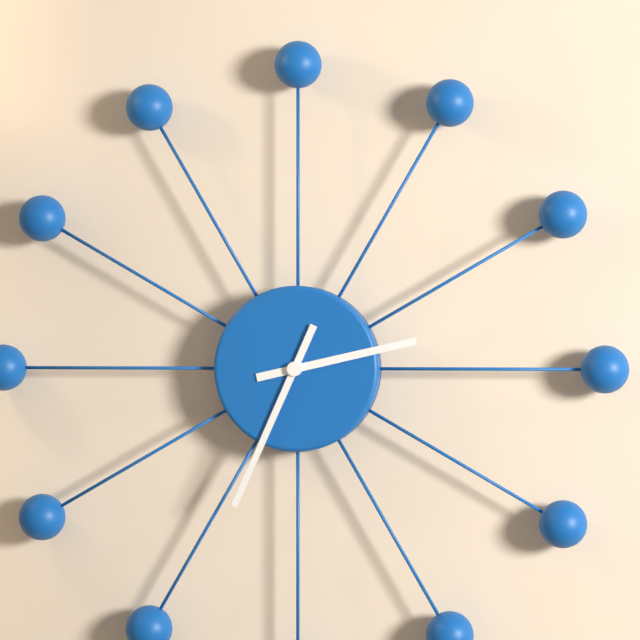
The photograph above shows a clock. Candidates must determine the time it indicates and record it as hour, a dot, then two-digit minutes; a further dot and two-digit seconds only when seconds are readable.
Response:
2.34
